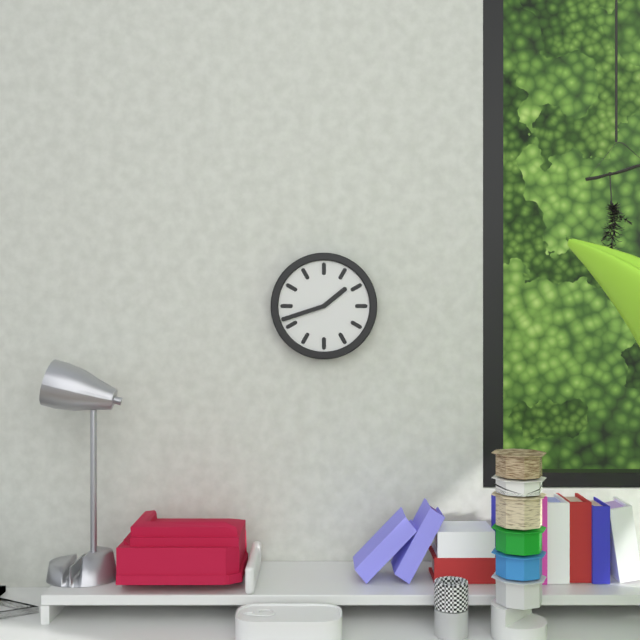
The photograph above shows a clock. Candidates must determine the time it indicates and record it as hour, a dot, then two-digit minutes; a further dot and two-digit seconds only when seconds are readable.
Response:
1.42
